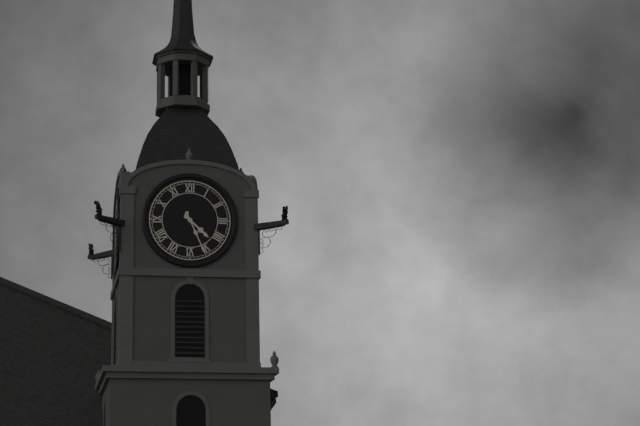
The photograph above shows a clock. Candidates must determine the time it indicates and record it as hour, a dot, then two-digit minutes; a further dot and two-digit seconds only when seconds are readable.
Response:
4.26
